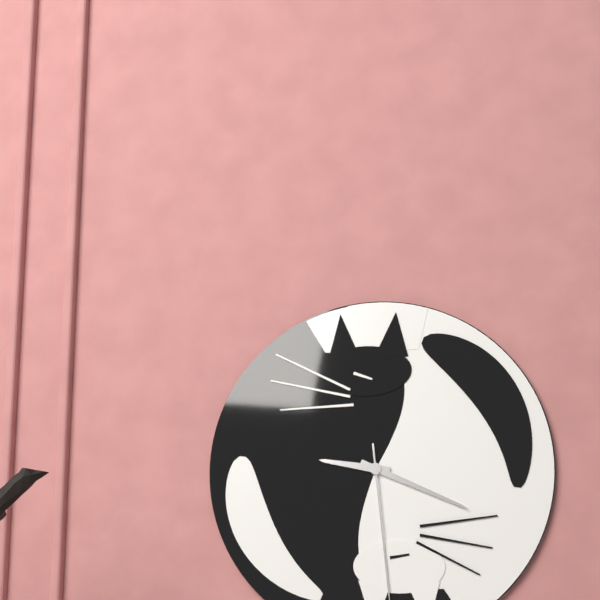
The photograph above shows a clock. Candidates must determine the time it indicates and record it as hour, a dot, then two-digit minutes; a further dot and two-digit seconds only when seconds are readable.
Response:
9.19
